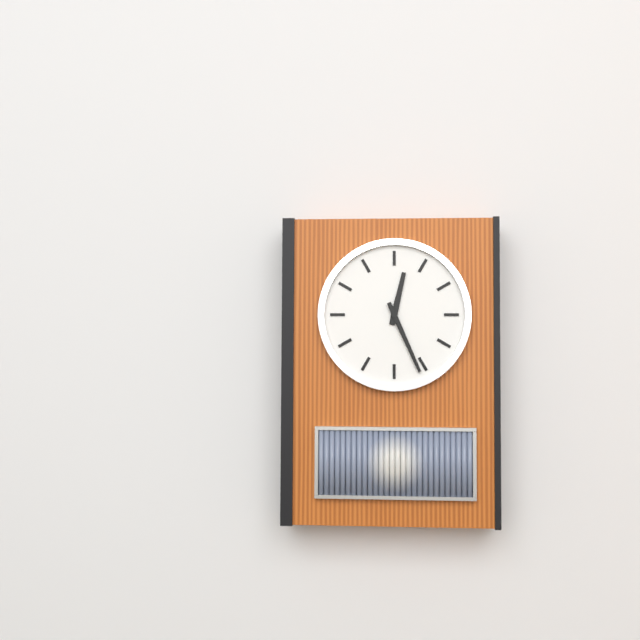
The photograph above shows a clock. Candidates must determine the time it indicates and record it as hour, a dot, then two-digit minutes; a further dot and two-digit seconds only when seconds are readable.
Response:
12.26
